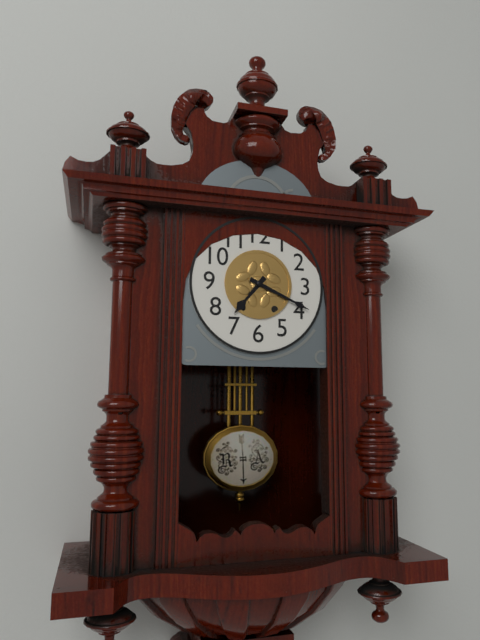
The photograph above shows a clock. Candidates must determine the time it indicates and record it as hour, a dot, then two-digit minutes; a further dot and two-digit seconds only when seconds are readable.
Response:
7.19
